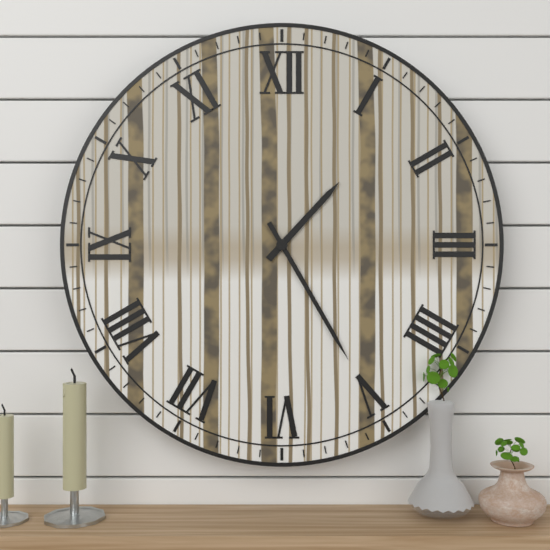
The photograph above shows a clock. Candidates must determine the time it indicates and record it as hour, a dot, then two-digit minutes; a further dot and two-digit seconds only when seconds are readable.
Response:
1.25
